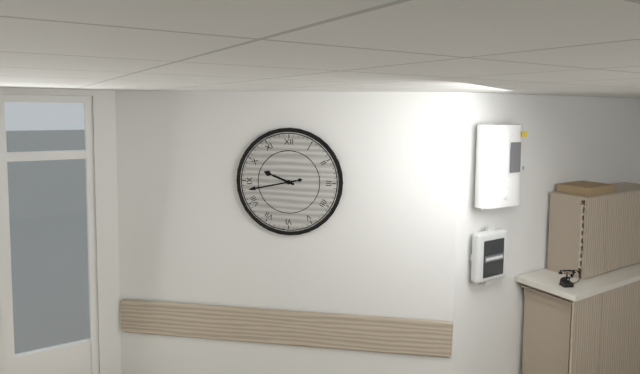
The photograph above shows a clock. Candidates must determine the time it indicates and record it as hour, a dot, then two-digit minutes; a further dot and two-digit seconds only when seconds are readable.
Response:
9.43
